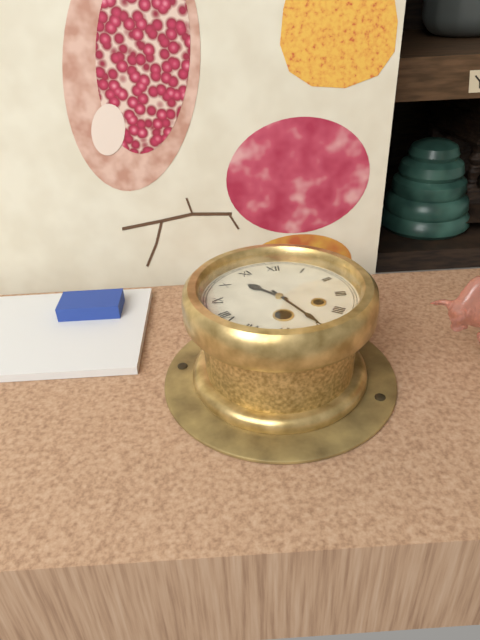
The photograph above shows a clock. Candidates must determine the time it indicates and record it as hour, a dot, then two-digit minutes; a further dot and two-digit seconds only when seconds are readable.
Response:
10.25
